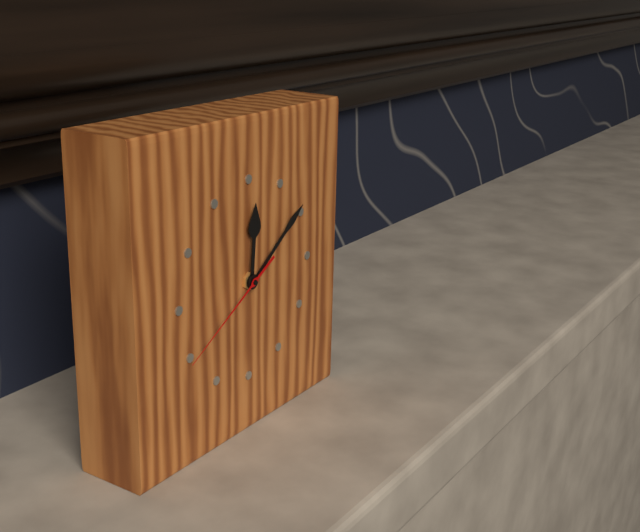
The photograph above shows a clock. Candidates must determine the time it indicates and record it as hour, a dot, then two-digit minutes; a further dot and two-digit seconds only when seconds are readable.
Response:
12.09.40
